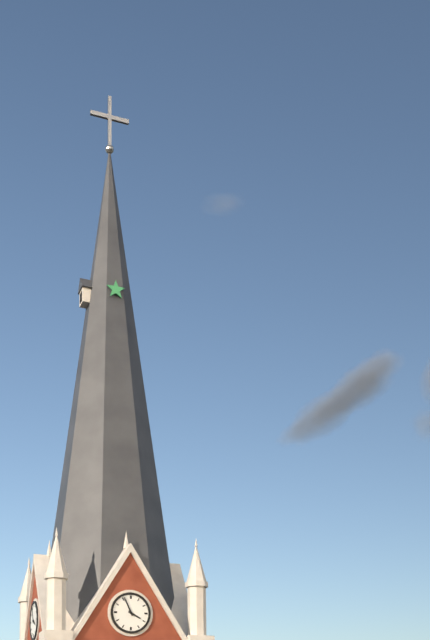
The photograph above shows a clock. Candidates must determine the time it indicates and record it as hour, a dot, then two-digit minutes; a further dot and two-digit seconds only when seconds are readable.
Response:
3.56
